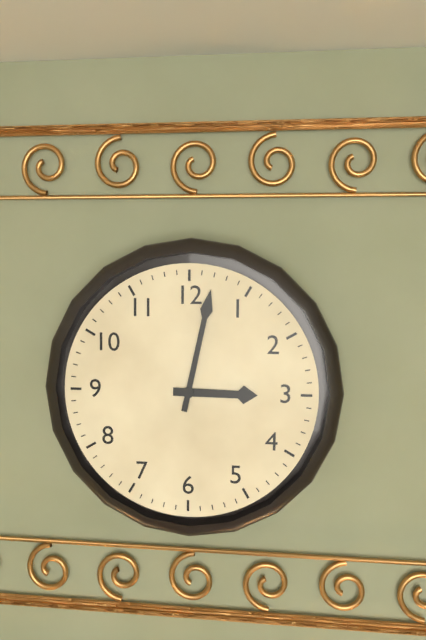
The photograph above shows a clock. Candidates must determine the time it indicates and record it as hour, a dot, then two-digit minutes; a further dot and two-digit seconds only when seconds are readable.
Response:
3.02
